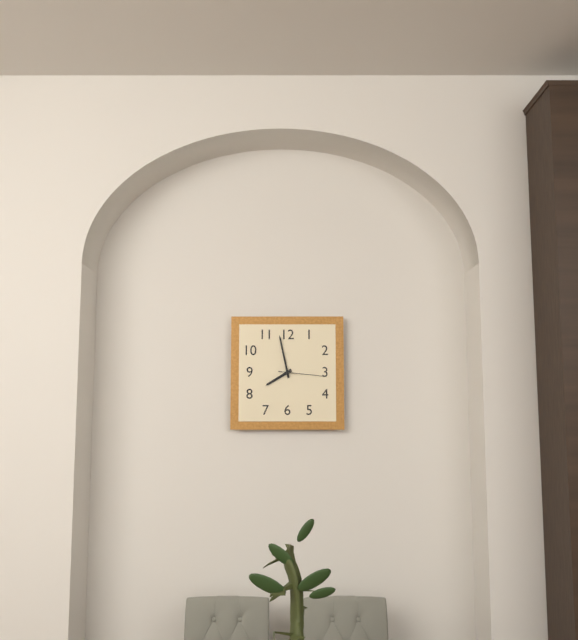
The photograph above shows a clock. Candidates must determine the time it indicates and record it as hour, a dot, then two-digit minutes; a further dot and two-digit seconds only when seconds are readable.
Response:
7.58.16
